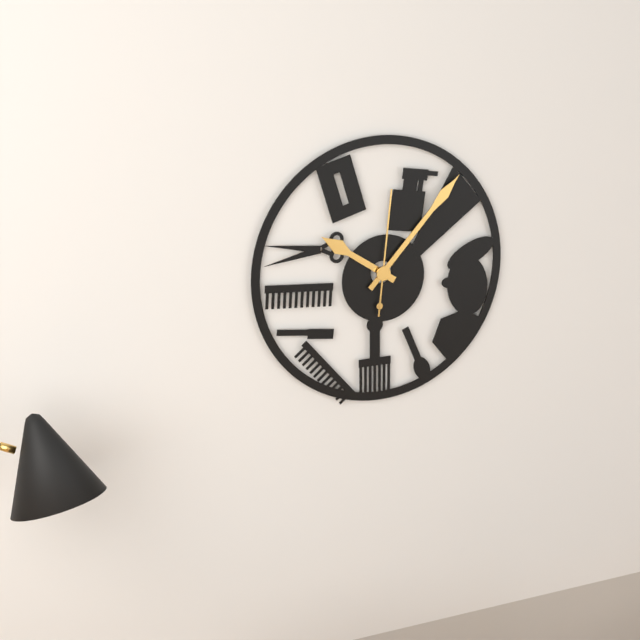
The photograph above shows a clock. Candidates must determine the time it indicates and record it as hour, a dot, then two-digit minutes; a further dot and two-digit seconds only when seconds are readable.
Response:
10.07.01
